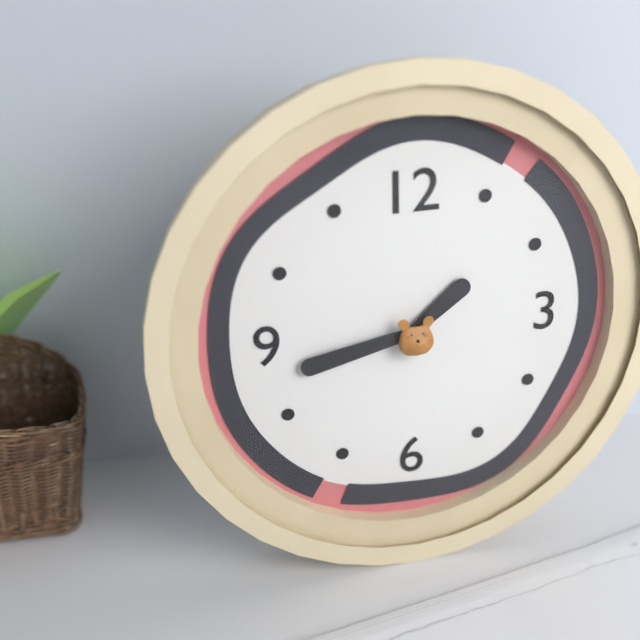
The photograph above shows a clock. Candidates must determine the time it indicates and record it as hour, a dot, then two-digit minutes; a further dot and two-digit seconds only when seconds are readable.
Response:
1.43
